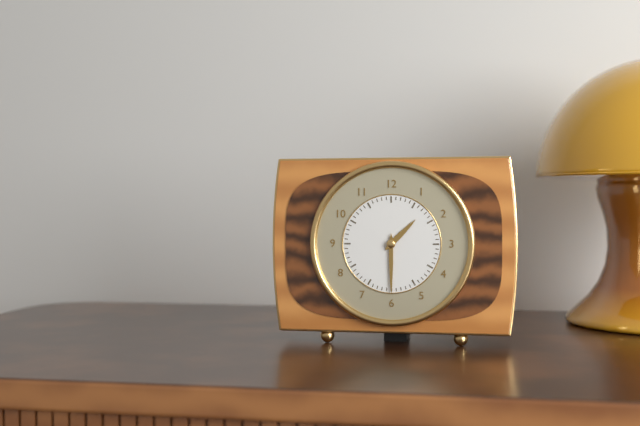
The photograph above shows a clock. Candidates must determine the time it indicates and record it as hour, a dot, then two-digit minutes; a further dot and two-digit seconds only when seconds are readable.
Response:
1.30
